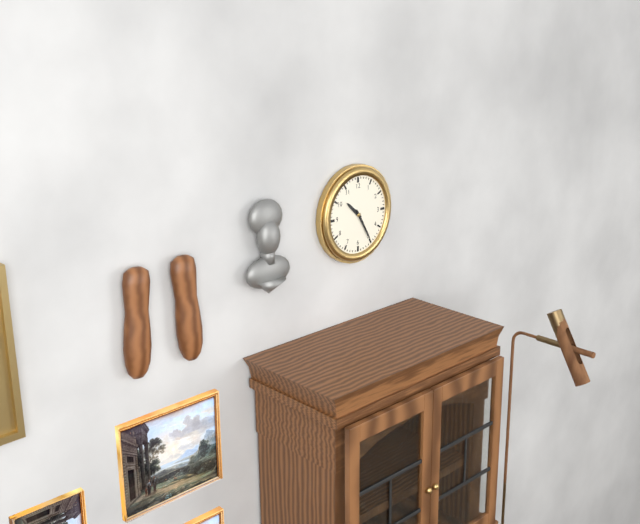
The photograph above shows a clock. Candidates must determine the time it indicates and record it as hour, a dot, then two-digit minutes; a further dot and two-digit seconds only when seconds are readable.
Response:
10.25
